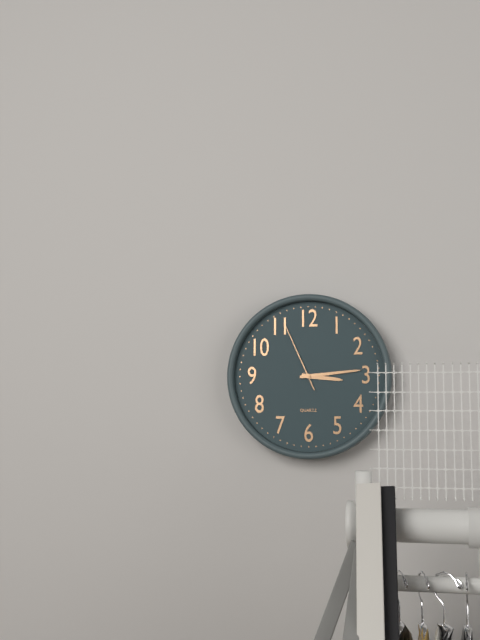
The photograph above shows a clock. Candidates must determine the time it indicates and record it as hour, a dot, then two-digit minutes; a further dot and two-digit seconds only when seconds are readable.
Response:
3.14.56
